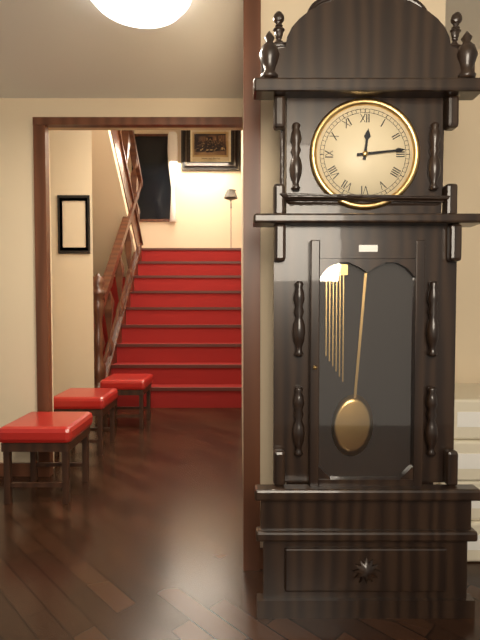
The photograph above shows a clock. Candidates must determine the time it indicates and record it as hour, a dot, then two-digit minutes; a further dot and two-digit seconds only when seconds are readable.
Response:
12.14
